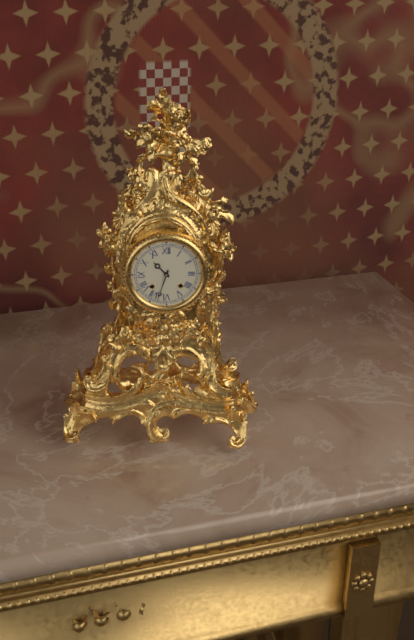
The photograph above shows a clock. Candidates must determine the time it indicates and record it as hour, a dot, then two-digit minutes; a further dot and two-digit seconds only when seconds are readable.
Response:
10.33
